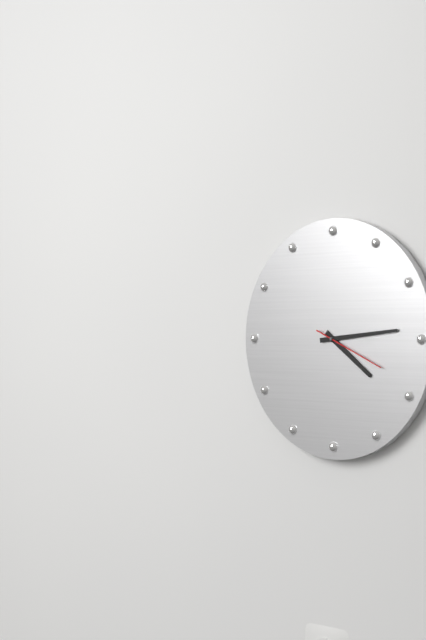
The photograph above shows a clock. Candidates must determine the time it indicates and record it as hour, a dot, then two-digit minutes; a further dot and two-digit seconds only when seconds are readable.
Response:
4.14.19
